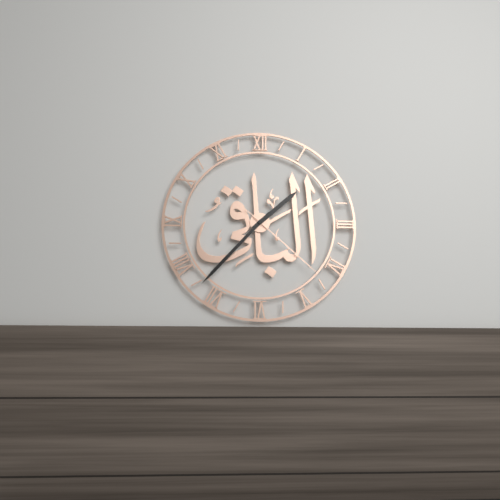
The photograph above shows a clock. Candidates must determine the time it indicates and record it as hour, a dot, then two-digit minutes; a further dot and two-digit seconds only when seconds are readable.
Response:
1.37.22
